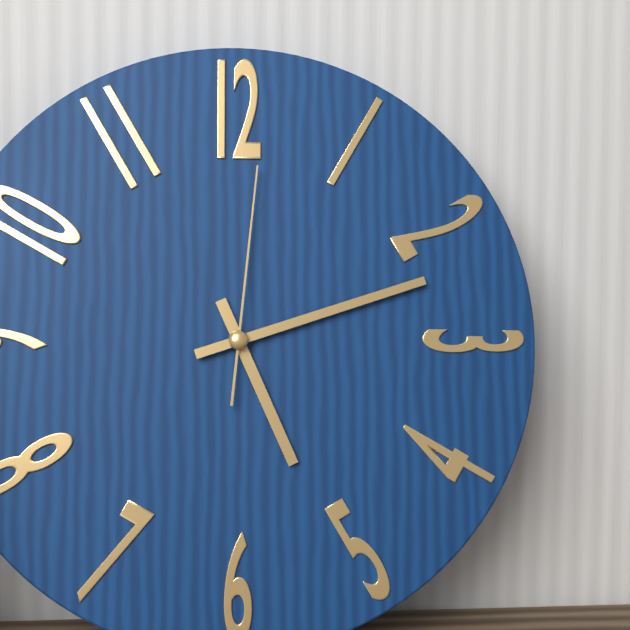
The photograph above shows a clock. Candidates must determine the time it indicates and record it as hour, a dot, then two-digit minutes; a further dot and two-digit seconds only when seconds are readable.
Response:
5.12.01
